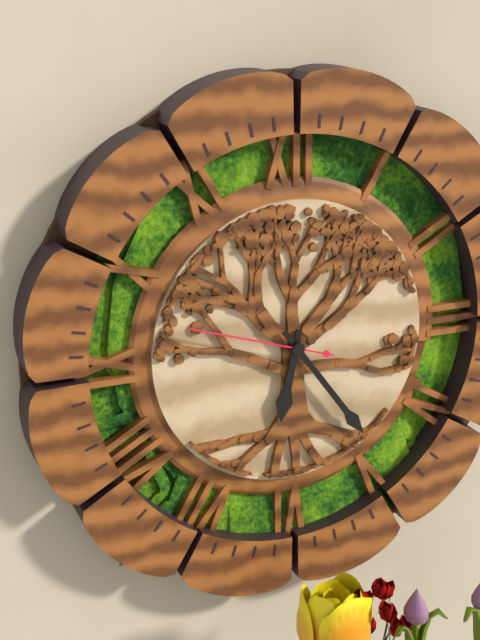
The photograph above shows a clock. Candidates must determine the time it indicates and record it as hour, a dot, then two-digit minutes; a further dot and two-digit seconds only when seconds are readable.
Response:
6.24.48
